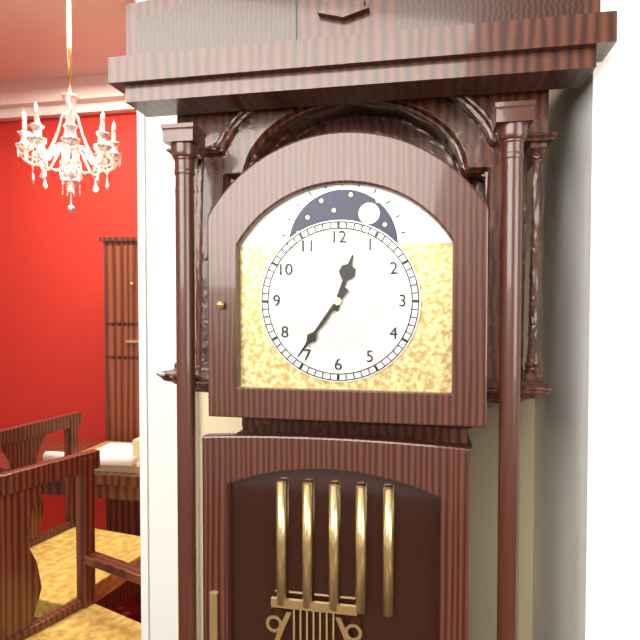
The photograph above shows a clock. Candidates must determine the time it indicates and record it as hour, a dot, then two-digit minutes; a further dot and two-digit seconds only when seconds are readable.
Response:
12.36
